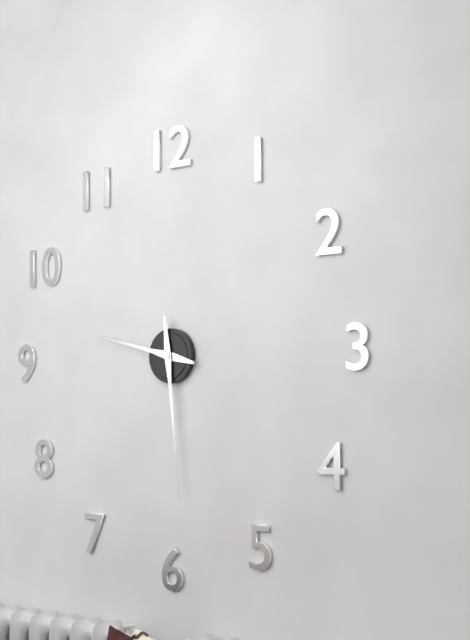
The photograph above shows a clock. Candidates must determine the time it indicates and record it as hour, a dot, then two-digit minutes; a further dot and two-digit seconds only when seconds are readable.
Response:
9.29
